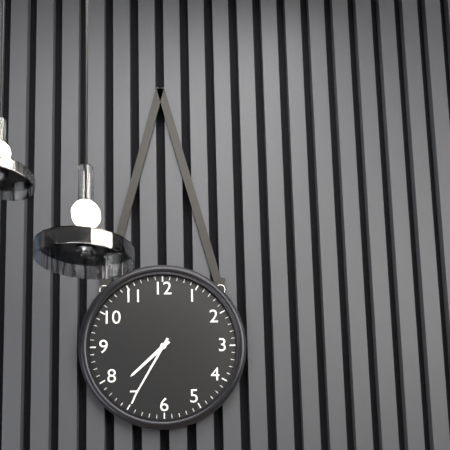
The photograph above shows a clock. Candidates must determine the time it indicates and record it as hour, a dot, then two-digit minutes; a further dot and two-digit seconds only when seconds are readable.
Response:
7.35
